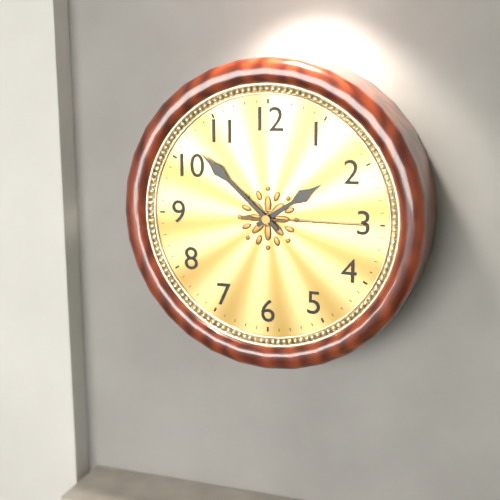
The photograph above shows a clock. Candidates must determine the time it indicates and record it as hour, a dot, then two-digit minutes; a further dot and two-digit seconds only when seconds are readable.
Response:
1.52.15
